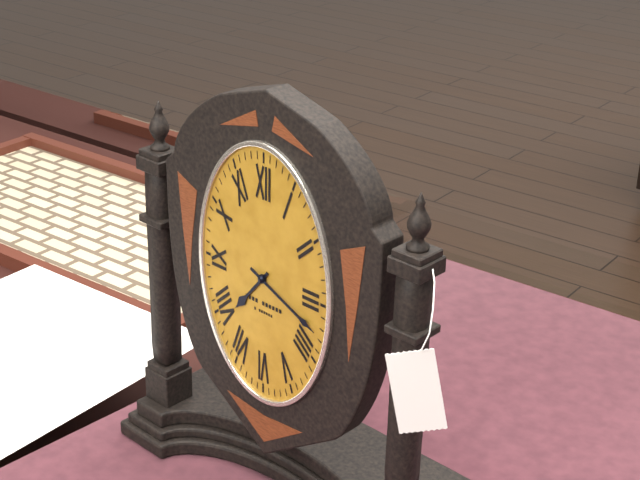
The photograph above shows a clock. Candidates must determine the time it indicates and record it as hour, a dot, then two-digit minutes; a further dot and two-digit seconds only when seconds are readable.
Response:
7.19
